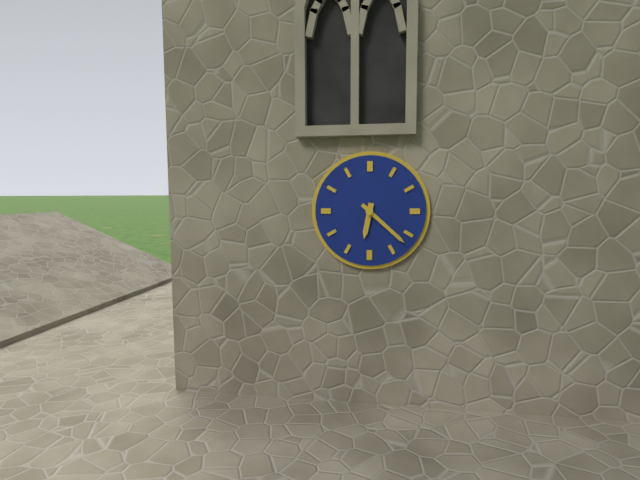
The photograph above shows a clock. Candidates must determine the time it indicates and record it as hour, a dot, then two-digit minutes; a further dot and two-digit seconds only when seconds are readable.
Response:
6.22
